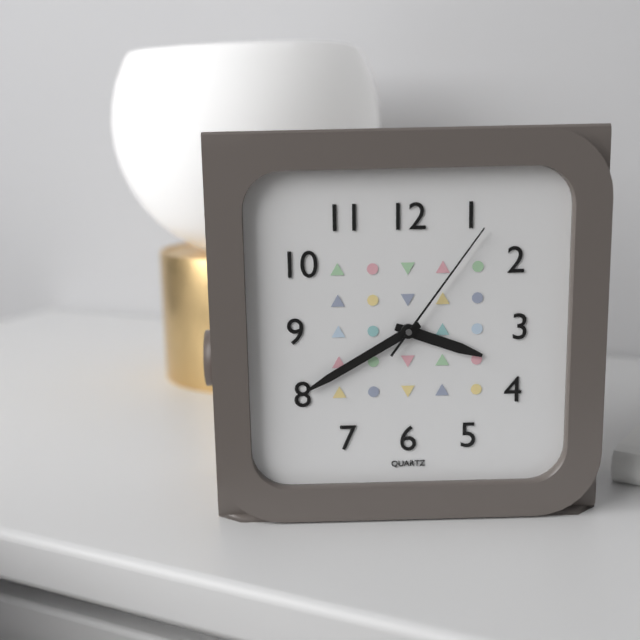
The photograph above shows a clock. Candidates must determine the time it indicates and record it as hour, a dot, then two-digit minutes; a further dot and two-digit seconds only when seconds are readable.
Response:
3.40.06
